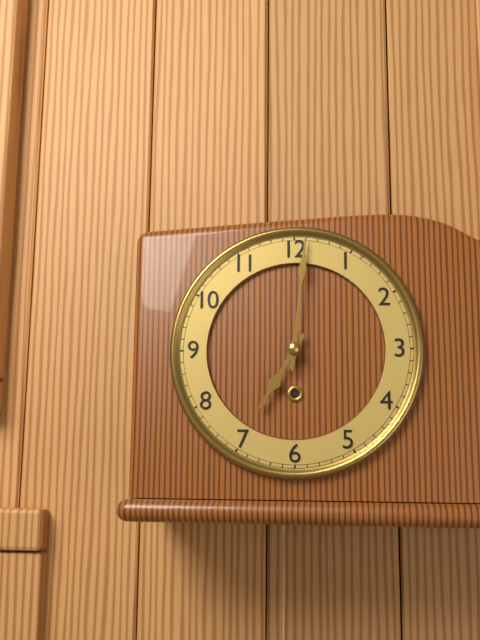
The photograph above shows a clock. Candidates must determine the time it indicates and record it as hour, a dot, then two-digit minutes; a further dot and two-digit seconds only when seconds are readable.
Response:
7.01
